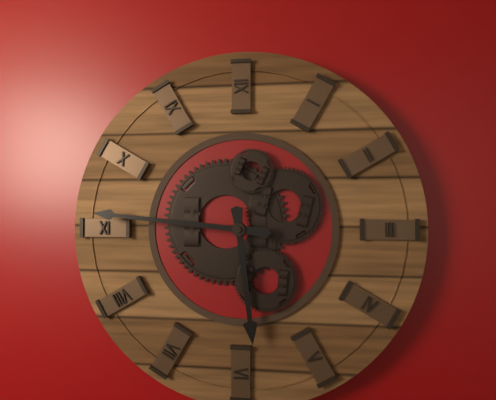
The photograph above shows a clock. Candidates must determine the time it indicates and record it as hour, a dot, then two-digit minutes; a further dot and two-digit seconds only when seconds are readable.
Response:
5.46
